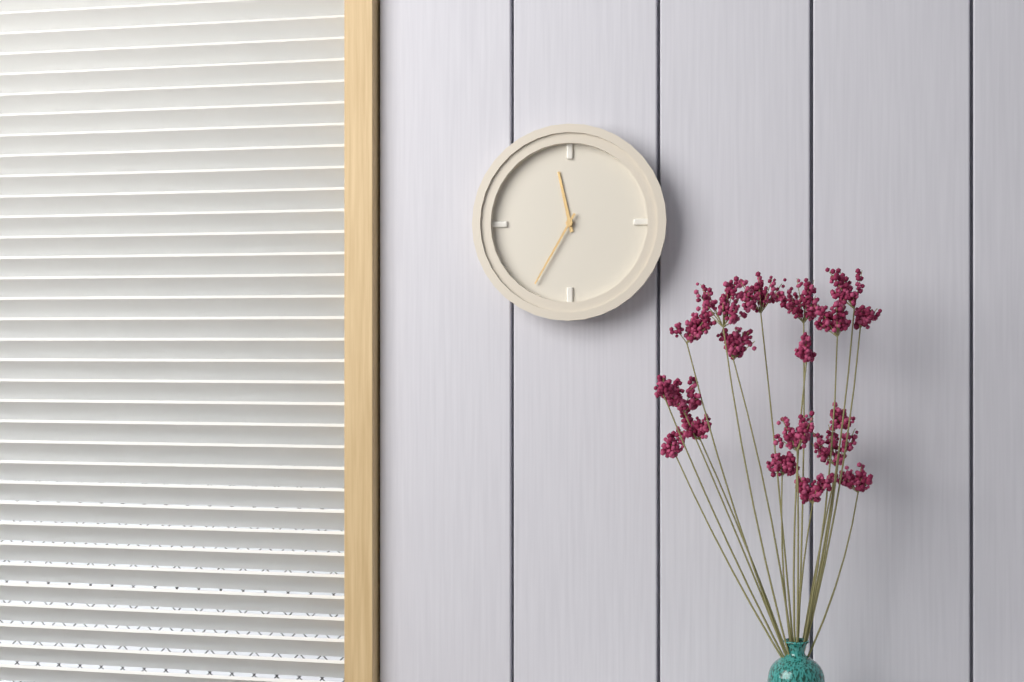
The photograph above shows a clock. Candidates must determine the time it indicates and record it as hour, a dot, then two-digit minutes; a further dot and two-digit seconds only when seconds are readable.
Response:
11.35
